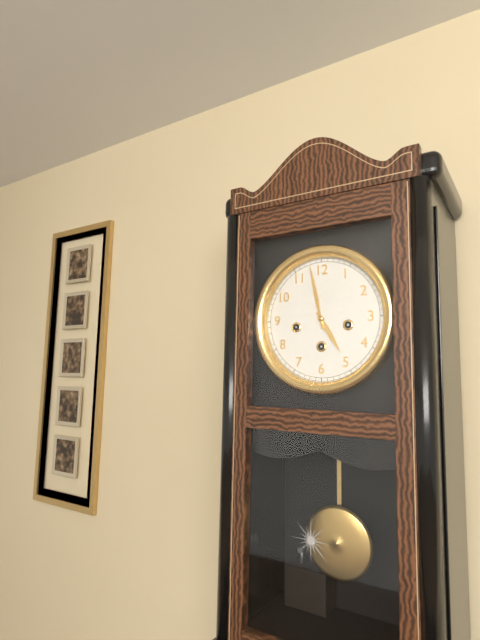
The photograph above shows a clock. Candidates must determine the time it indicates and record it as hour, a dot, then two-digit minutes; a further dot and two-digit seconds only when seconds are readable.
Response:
4.58
